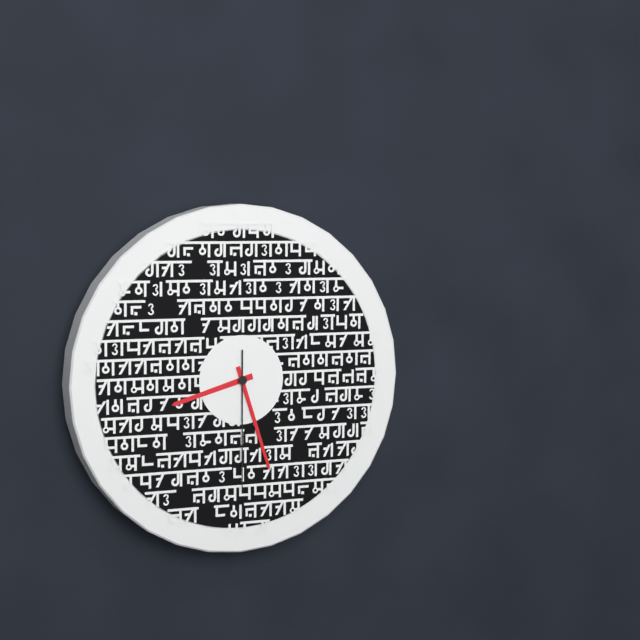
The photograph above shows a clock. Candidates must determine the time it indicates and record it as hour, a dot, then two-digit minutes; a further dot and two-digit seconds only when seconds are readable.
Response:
8.27.30
